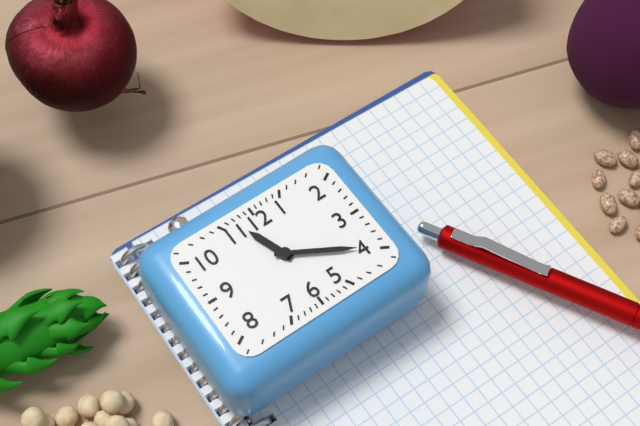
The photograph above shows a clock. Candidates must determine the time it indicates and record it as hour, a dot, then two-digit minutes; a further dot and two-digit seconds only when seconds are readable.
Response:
11.20
